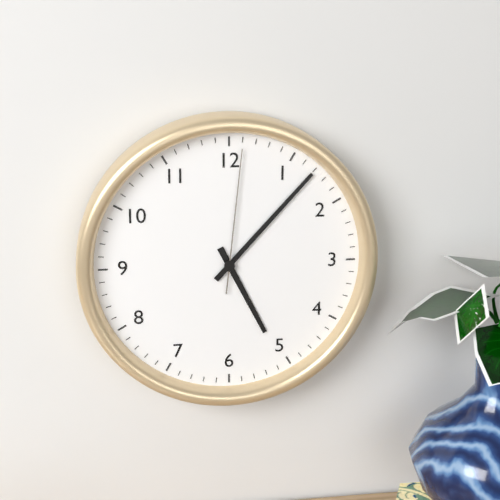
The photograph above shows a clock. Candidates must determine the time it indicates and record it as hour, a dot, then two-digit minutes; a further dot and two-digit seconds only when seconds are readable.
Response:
5.07.01
